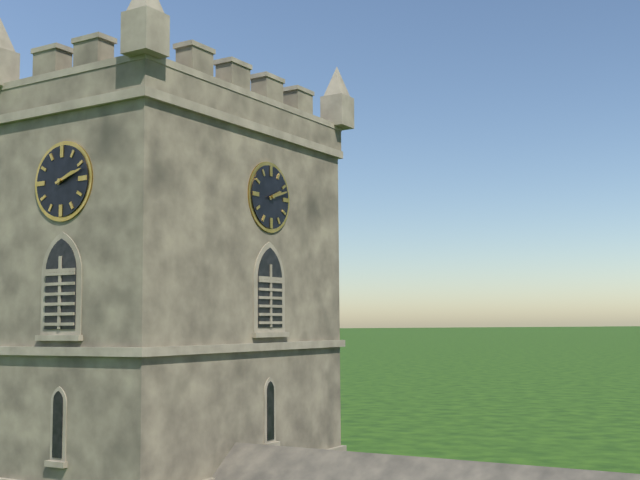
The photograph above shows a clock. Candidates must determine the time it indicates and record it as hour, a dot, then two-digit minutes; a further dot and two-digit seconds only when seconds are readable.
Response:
2.12
